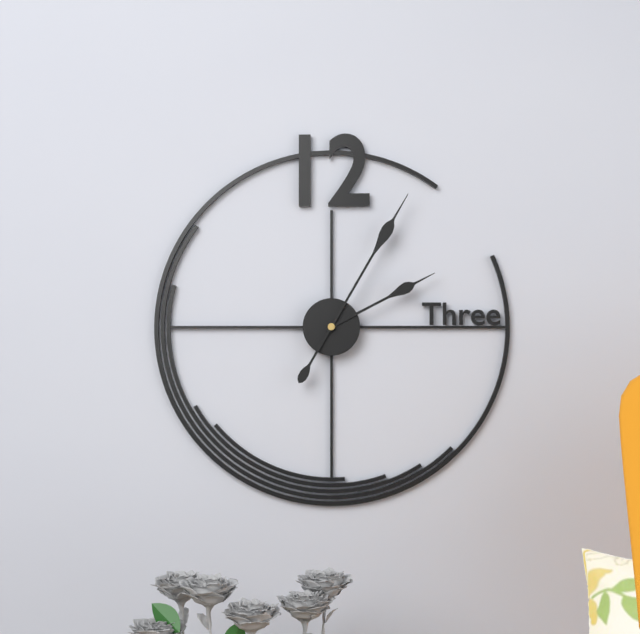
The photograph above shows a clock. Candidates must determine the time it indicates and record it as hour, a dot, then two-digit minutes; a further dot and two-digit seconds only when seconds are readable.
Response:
2.05
